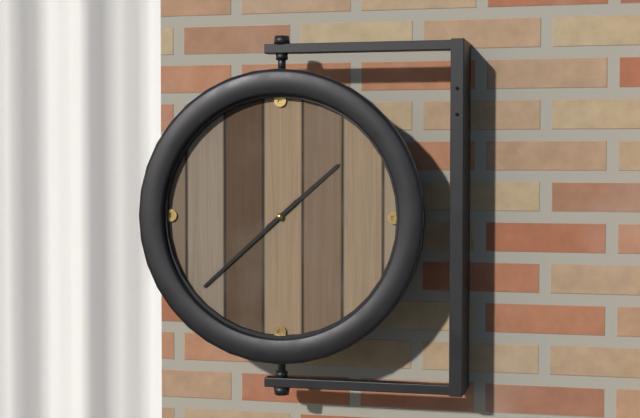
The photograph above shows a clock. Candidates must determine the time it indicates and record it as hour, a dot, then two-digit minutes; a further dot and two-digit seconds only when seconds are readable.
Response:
1.38
